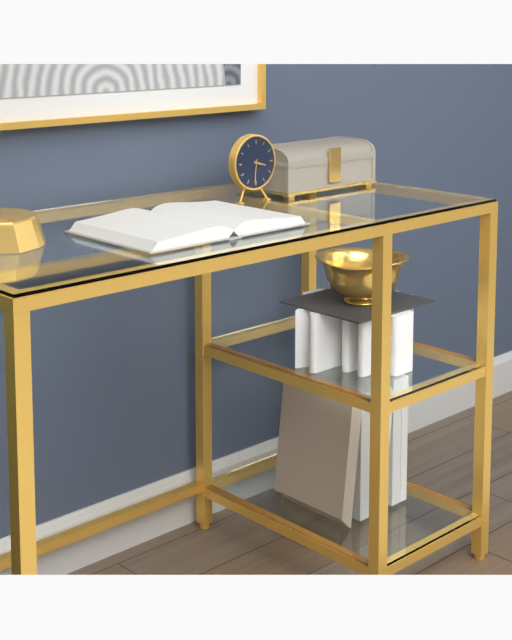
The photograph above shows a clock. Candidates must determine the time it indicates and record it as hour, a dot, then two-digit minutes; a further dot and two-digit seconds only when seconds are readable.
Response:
3.31
